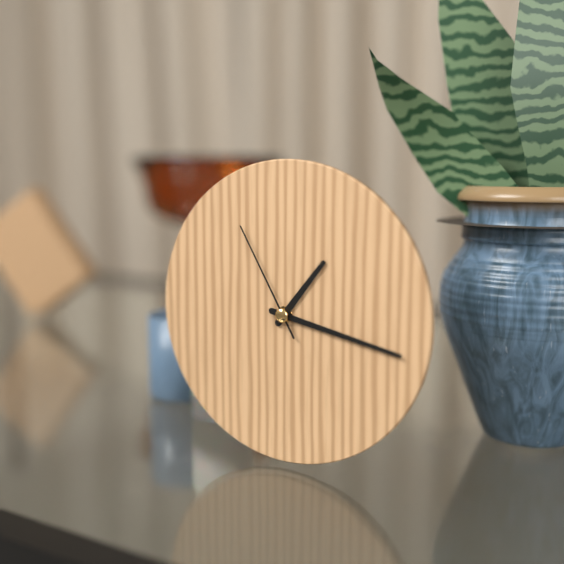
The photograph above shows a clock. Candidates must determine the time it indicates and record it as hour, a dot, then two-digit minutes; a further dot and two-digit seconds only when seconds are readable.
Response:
1.17.55
